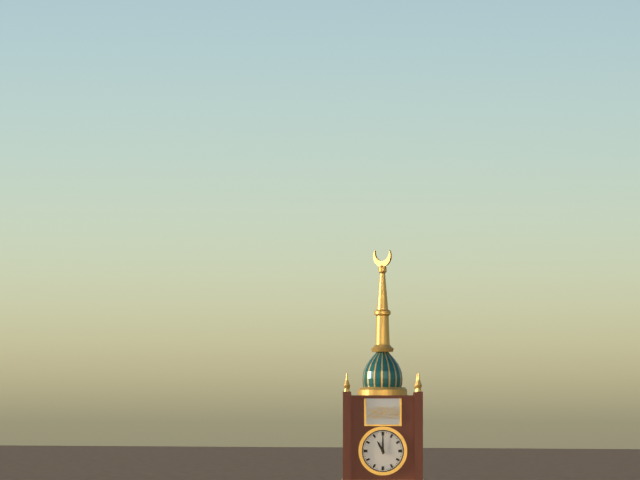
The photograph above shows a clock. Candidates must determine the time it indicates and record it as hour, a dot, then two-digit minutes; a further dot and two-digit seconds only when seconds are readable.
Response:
11.00
